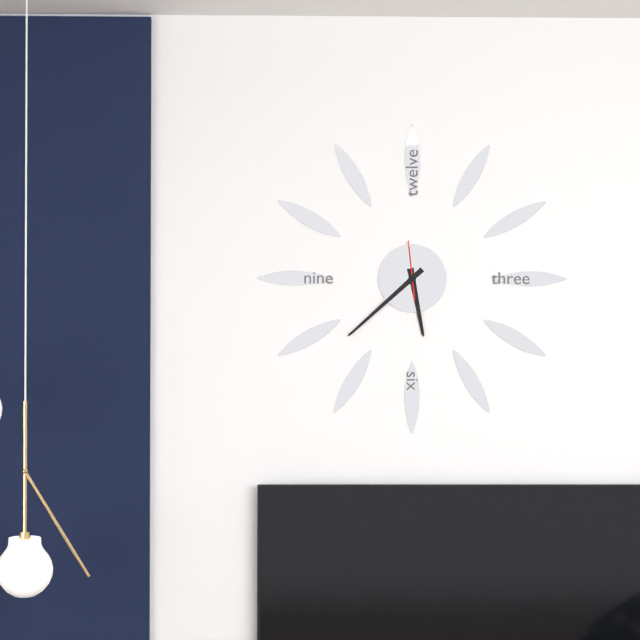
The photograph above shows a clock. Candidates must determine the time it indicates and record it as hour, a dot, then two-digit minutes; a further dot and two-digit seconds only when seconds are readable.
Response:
5.38
